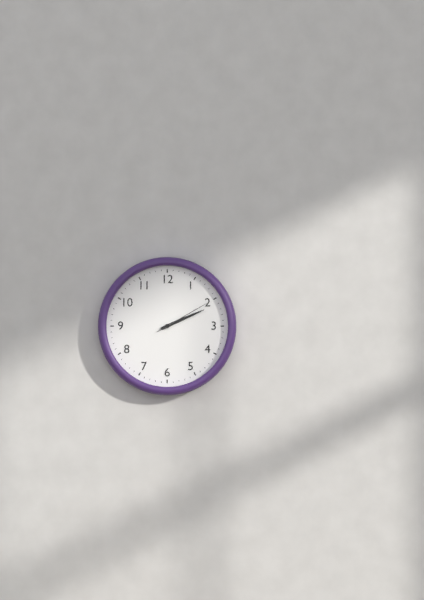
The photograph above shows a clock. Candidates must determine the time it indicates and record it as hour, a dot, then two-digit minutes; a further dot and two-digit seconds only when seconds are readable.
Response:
2.11.10
